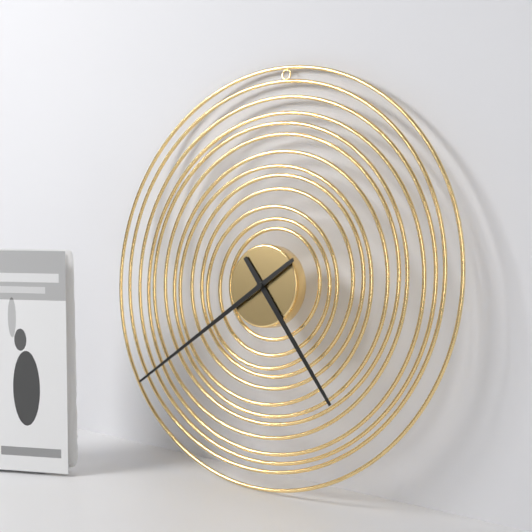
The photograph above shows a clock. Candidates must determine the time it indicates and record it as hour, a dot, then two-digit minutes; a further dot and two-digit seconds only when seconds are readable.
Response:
4.39
